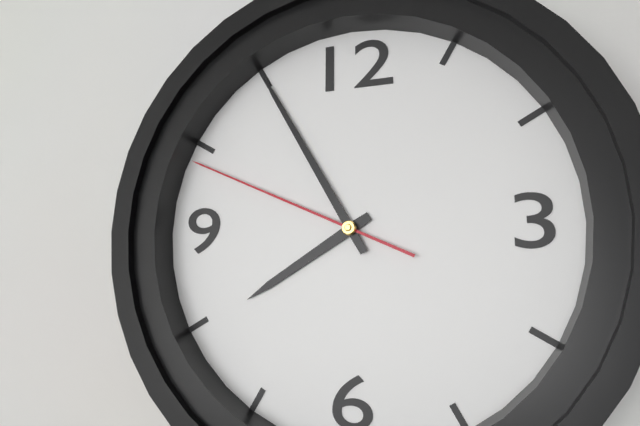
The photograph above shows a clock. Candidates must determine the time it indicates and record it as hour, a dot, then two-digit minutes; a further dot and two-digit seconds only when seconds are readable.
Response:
7.55.49
